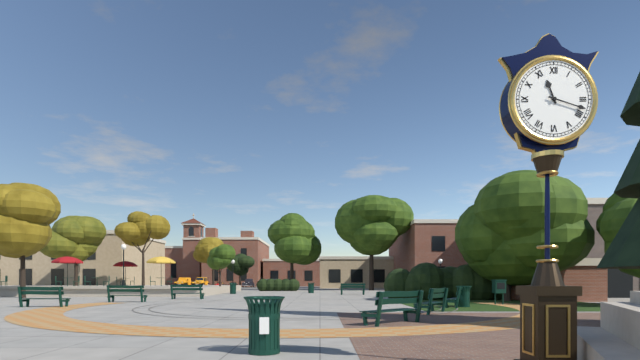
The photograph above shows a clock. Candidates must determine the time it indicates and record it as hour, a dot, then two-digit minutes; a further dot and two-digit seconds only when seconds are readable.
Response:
11.18
